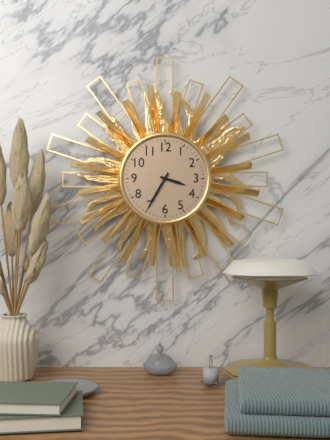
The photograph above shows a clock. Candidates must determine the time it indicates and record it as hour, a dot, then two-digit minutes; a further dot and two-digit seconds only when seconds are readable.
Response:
3.35
